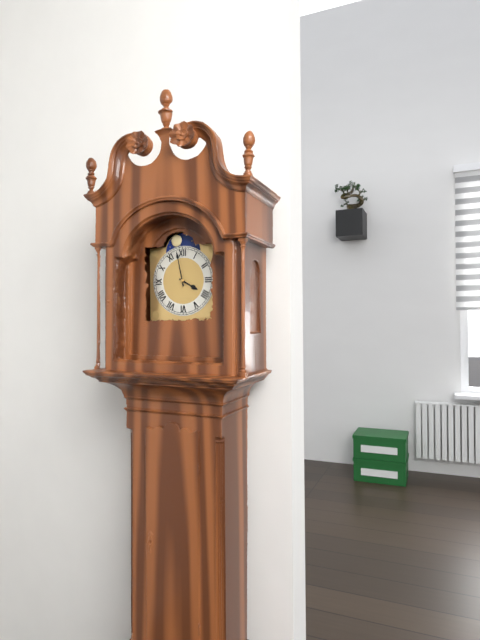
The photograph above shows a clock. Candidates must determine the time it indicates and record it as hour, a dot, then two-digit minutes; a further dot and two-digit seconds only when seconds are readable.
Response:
3.58
